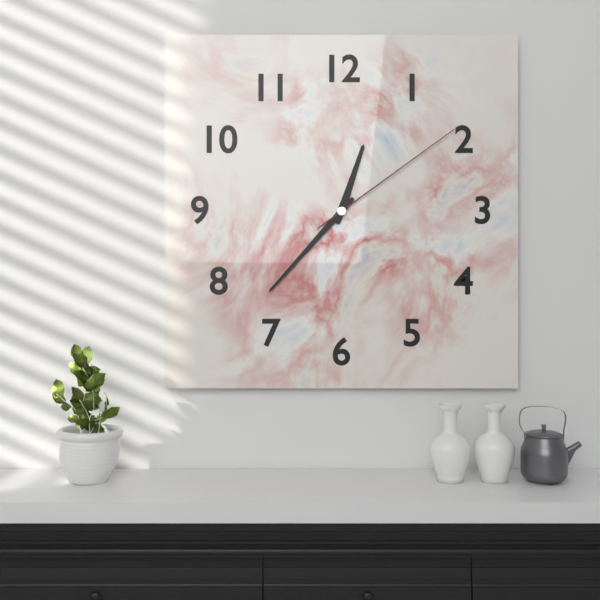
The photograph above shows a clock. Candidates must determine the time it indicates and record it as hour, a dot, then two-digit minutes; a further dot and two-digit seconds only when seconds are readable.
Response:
12.37.09
